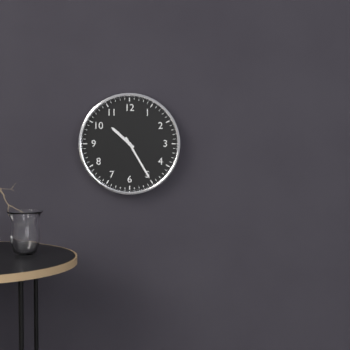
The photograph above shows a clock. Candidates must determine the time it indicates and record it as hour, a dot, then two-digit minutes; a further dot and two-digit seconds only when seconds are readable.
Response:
10.25
